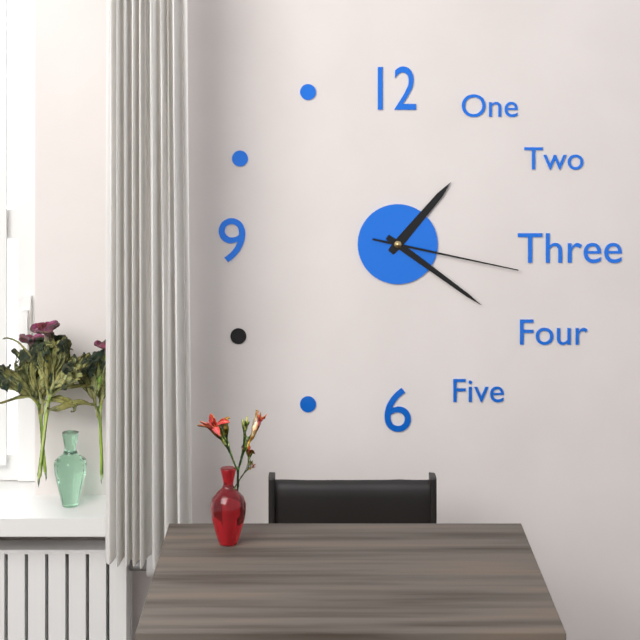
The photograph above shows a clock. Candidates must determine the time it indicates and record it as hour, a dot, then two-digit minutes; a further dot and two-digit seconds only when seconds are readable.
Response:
1.21.17
